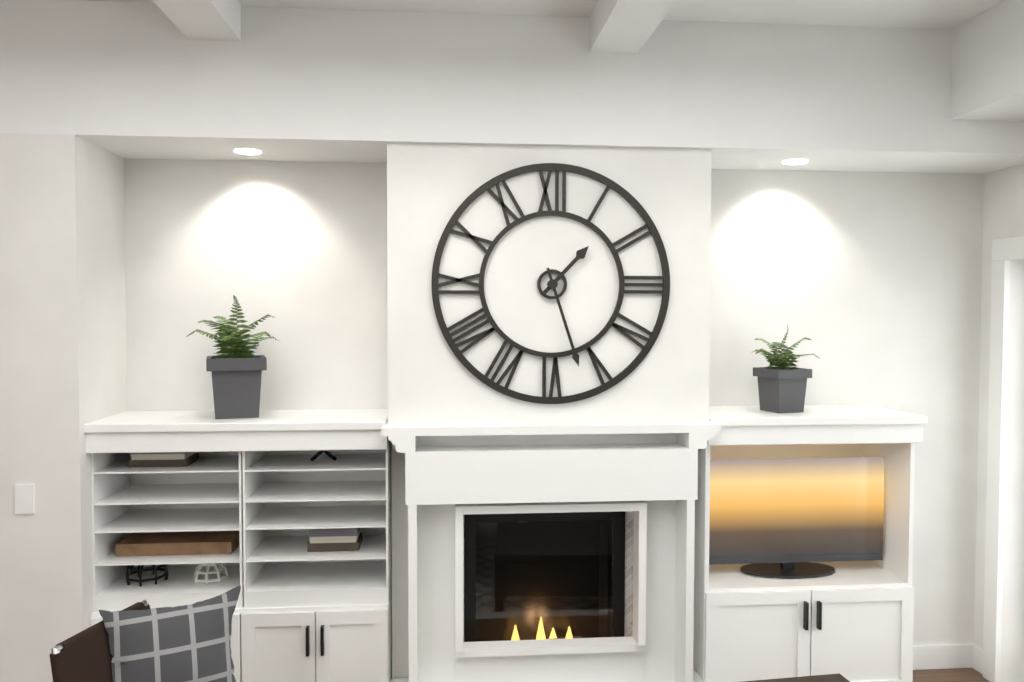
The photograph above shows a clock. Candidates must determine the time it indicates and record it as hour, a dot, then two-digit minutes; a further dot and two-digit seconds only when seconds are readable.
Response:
1.27
